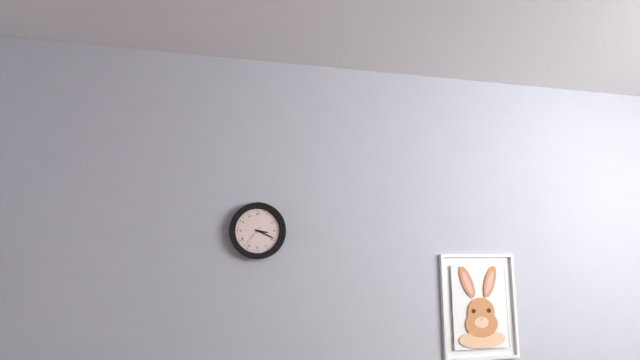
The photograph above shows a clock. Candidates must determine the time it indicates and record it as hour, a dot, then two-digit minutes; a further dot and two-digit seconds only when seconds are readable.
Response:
3.19
